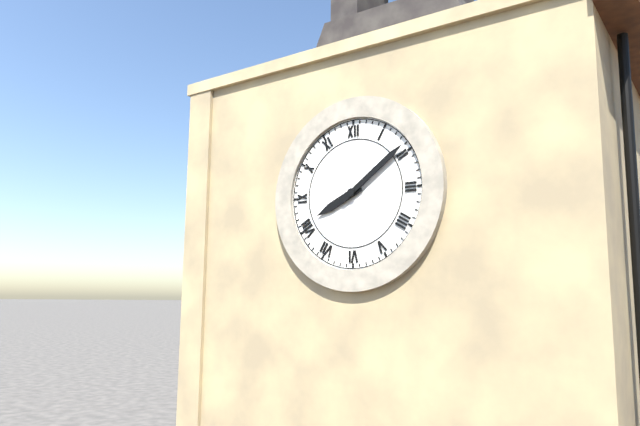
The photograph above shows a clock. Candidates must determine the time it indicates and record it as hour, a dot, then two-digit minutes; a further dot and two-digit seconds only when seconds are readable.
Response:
8.09
